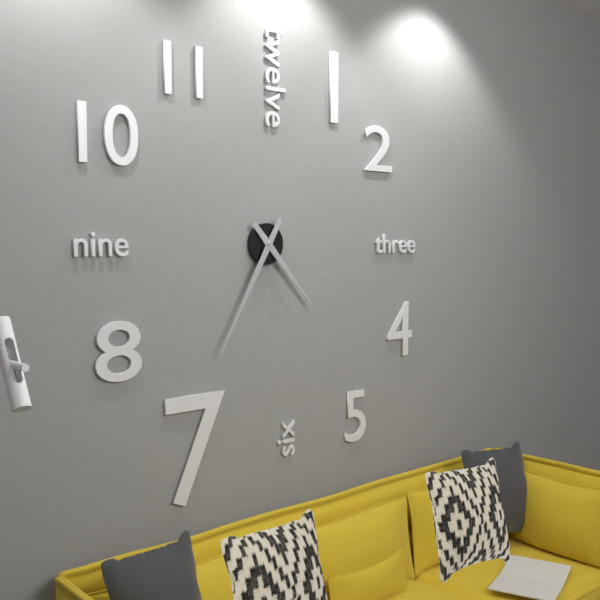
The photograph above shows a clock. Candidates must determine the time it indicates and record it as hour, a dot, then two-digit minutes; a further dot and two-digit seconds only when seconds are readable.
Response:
4.35
